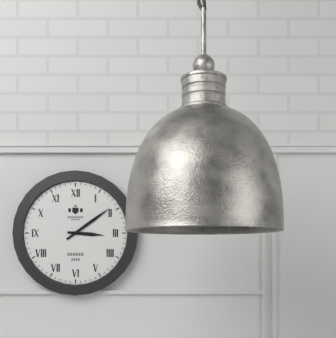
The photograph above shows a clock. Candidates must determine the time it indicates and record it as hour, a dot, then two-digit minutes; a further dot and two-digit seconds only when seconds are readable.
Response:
3.09
